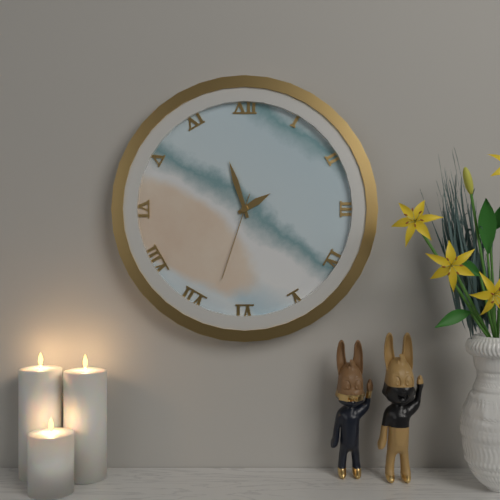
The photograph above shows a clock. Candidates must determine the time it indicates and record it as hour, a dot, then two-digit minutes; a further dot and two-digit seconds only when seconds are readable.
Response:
1.57.33
